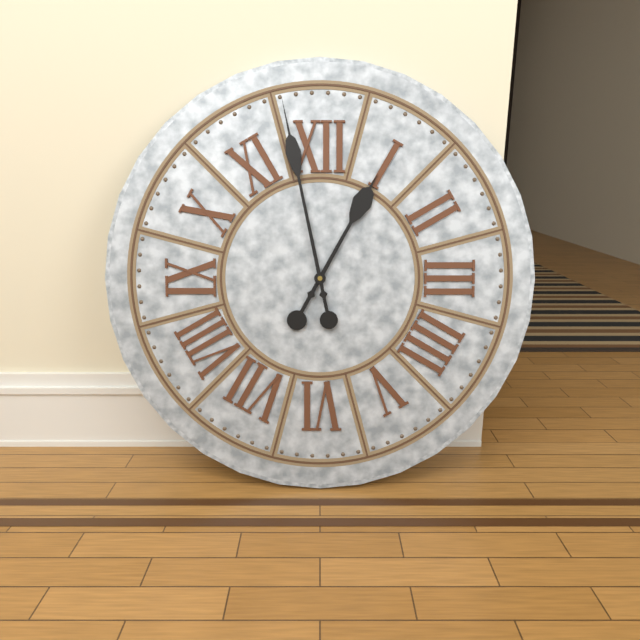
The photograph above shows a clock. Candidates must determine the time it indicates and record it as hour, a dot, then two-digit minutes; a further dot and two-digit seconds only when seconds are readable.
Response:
12.58
